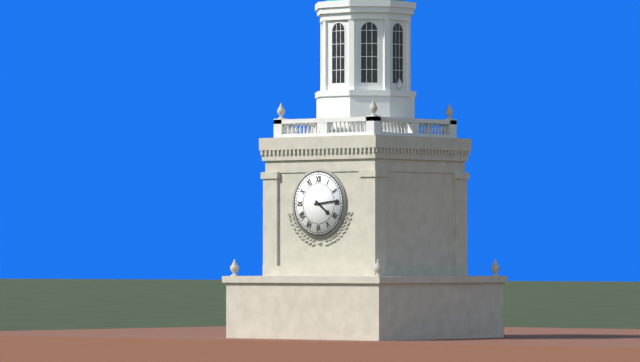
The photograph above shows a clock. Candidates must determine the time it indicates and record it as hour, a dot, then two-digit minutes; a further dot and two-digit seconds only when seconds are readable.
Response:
4.14
